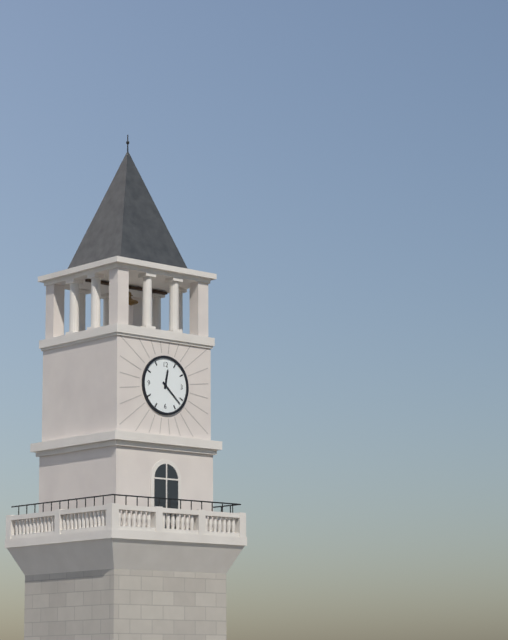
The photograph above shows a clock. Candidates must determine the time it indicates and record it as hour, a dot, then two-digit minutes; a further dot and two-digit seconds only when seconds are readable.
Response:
12.22
